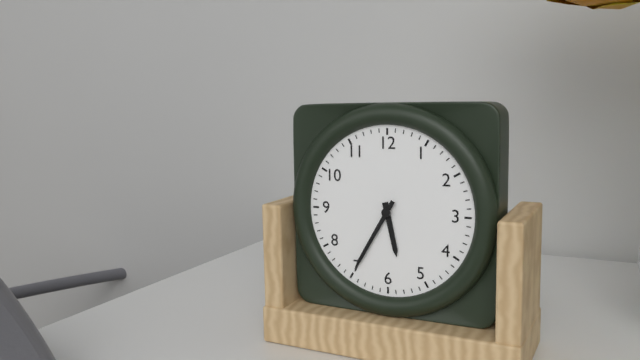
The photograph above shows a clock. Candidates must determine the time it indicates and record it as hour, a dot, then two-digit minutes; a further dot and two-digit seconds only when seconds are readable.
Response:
5.35
